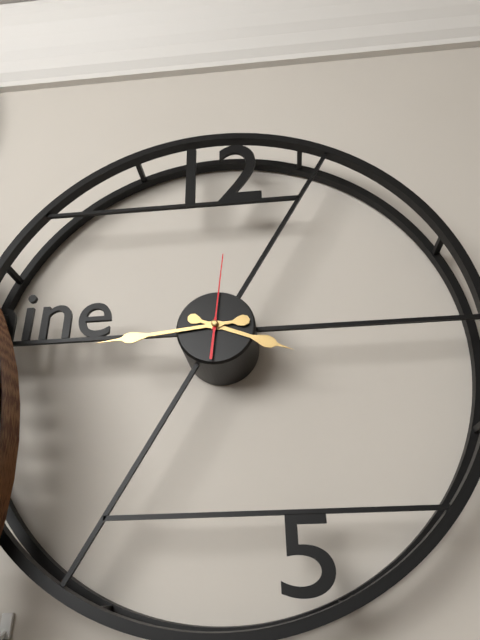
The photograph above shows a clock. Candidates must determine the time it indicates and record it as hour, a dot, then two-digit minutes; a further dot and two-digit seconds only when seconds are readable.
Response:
3.44.01
